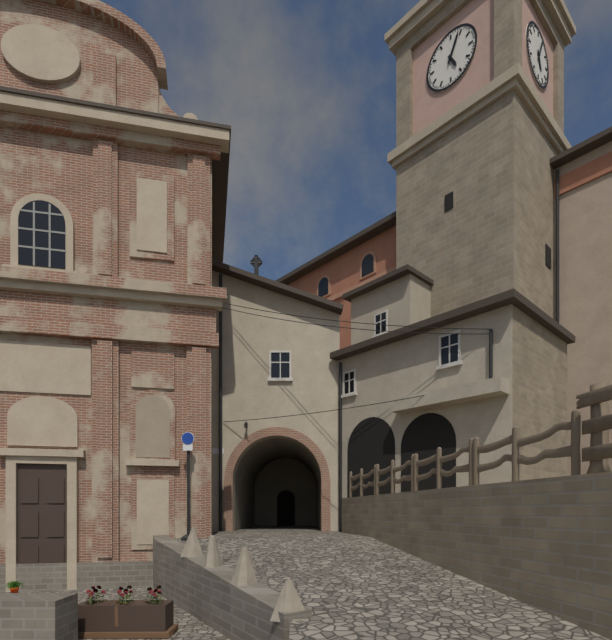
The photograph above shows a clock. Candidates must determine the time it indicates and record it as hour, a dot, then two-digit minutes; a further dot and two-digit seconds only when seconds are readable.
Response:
5.04
